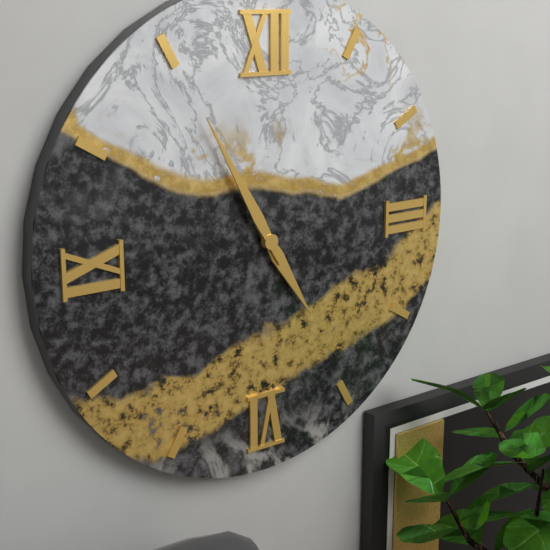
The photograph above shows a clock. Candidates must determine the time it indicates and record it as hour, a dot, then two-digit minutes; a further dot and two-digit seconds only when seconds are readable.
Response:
4.55
